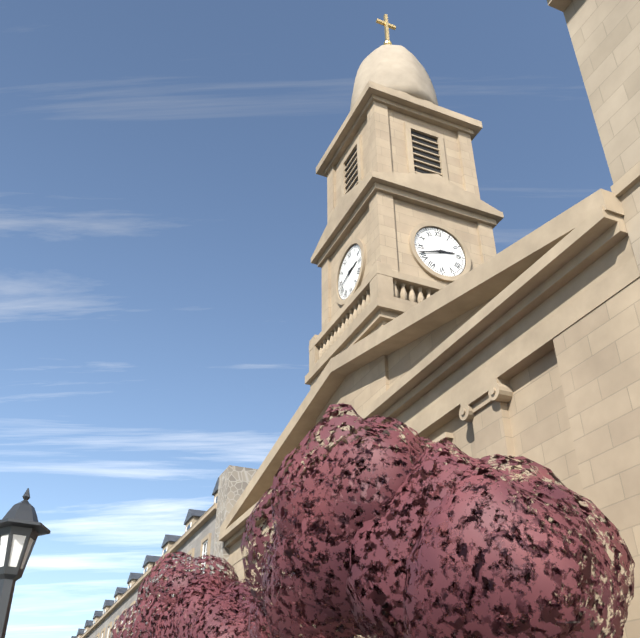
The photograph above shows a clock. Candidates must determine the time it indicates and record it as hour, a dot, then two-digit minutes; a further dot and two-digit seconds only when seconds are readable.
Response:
2.42
